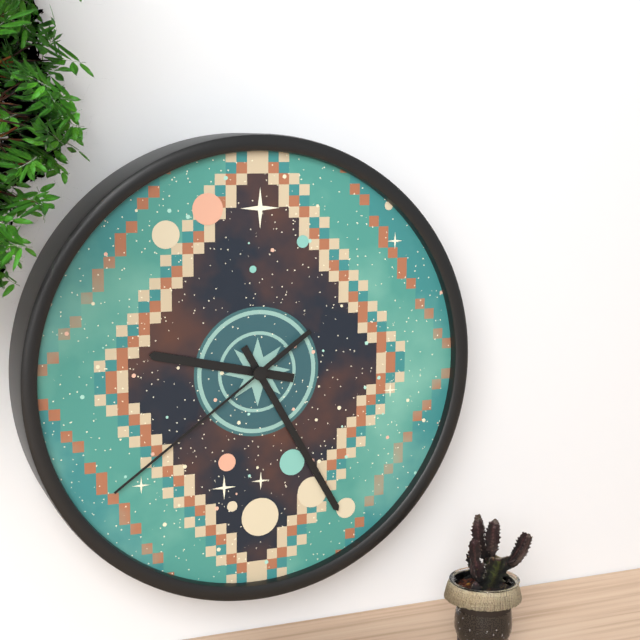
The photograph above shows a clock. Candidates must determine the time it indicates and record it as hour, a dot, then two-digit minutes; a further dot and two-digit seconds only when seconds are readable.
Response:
9.25.39
